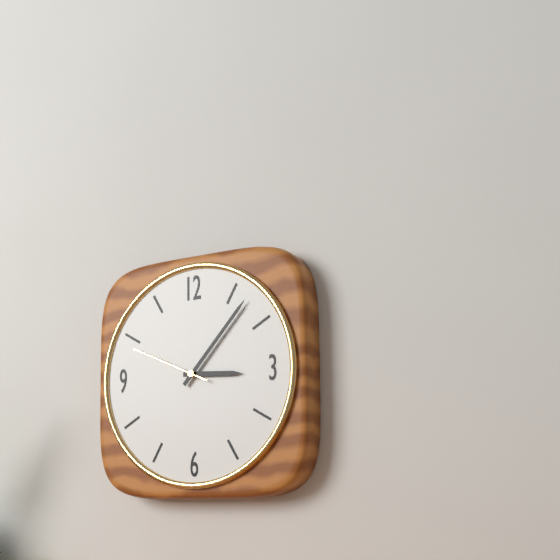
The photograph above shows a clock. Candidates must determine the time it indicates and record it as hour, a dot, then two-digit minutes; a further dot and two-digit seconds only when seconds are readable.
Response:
3.07.49
